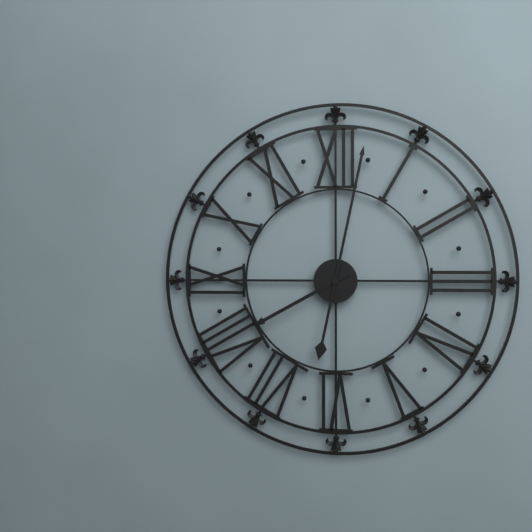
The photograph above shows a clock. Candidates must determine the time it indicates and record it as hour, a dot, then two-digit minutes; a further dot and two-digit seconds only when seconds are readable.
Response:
8.02
